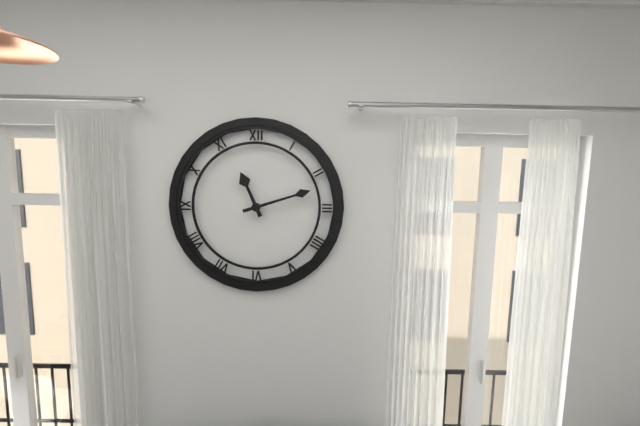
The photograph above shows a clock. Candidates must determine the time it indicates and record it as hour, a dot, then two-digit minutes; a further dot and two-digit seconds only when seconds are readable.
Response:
11.12
